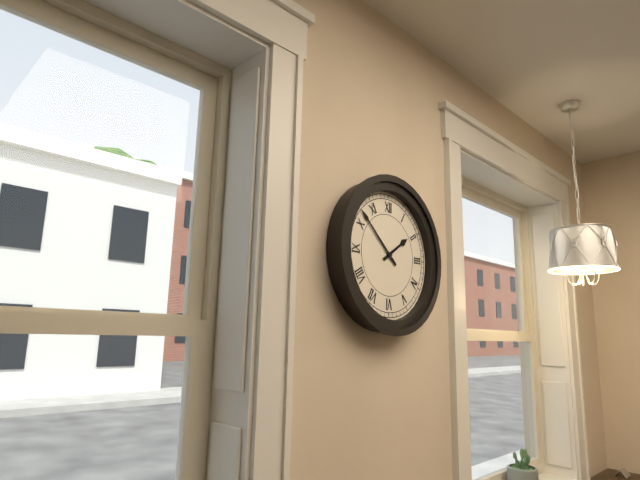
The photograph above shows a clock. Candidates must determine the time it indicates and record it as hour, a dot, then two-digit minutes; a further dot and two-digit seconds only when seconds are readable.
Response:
1.52
